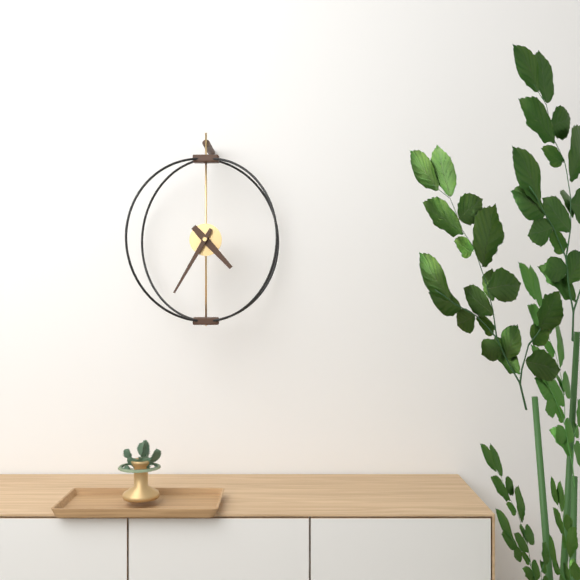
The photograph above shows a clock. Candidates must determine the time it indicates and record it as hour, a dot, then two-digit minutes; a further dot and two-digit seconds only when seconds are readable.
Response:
4.35
